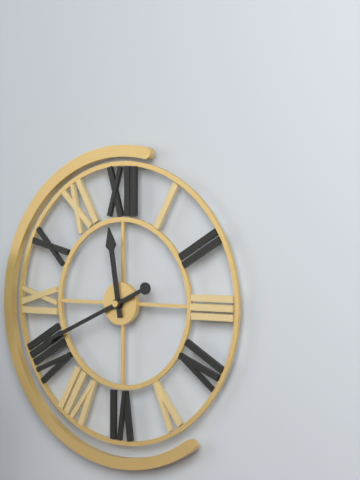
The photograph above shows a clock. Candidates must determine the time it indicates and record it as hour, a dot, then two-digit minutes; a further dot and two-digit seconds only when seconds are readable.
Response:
11.41
